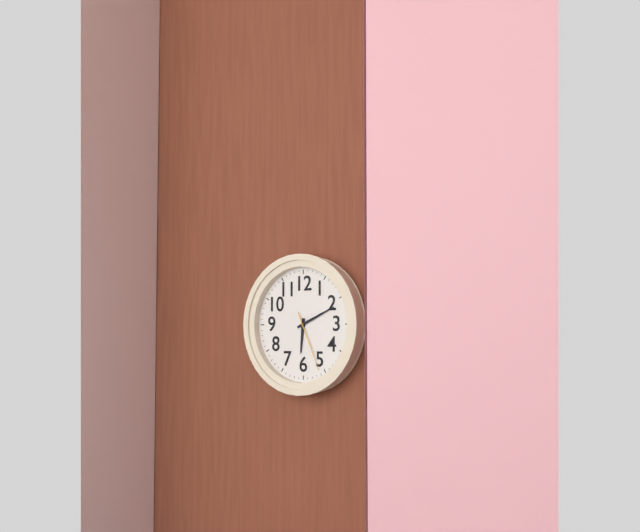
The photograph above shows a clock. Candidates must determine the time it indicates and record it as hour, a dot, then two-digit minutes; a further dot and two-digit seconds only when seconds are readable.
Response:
6.11.26
